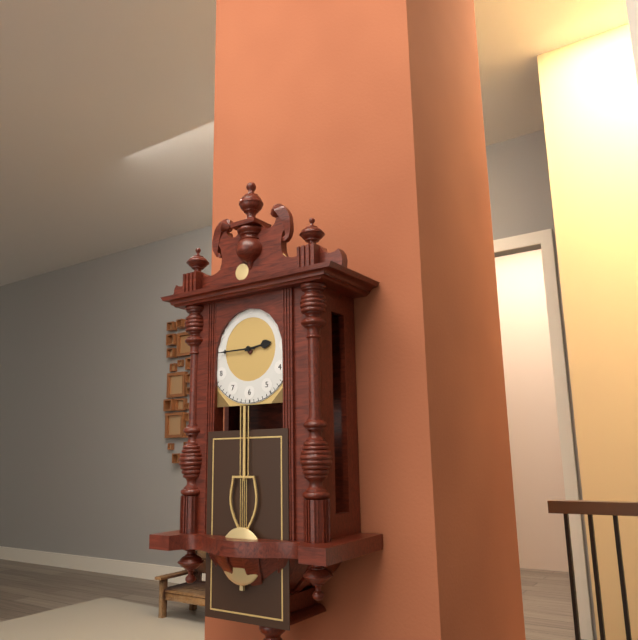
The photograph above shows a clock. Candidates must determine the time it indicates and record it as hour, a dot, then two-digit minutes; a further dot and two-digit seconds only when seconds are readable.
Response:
2.45
